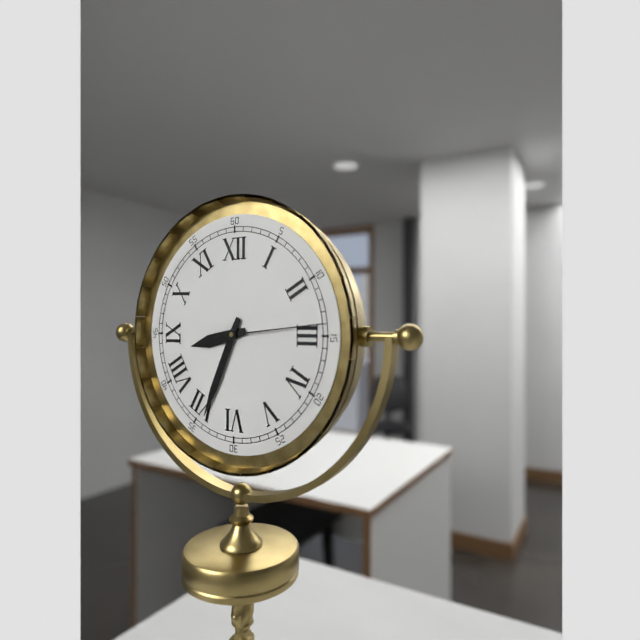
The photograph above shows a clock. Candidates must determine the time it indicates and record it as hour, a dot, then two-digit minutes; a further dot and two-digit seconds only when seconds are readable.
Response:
8.34.14
